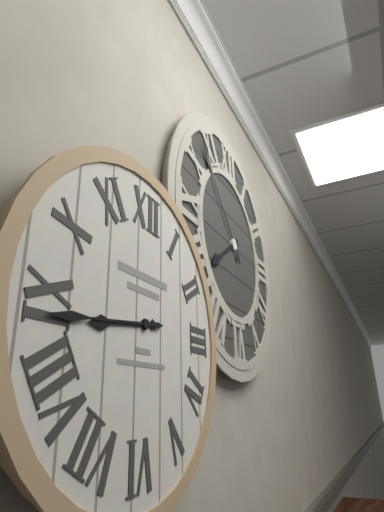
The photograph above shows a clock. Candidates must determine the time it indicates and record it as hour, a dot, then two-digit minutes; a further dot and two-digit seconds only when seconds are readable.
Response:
8.44
